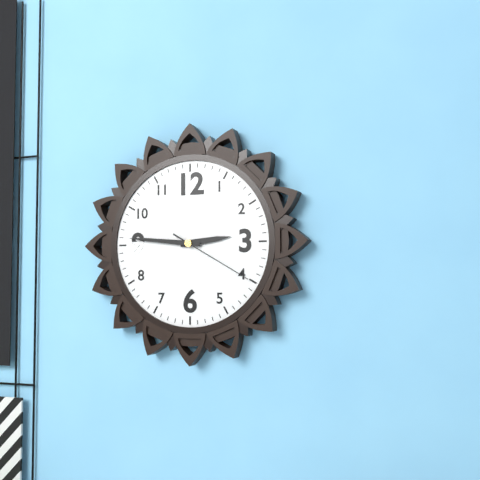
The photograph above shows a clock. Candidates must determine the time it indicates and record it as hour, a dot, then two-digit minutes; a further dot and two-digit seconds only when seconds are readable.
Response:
2.46.20
